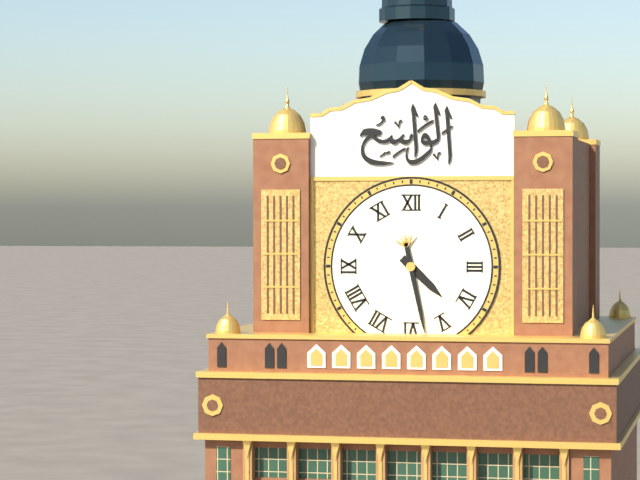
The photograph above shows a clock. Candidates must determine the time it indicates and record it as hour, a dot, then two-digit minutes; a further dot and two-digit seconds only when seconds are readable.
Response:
4.28
